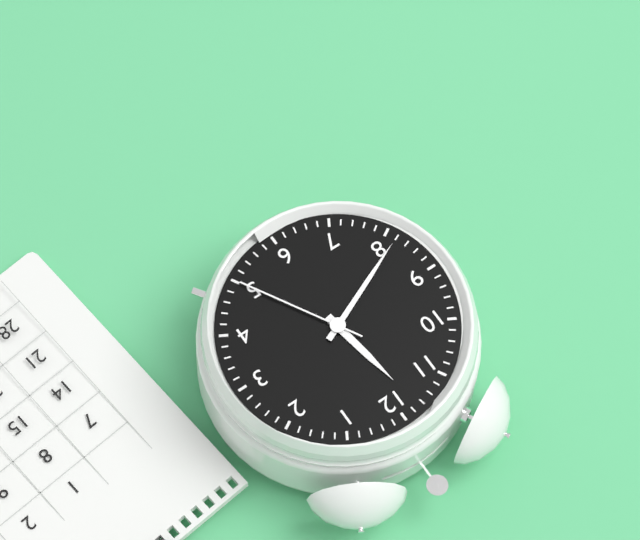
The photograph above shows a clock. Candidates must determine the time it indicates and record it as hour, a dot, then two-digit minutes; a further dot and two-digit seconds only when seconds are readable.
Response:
11.41.25
